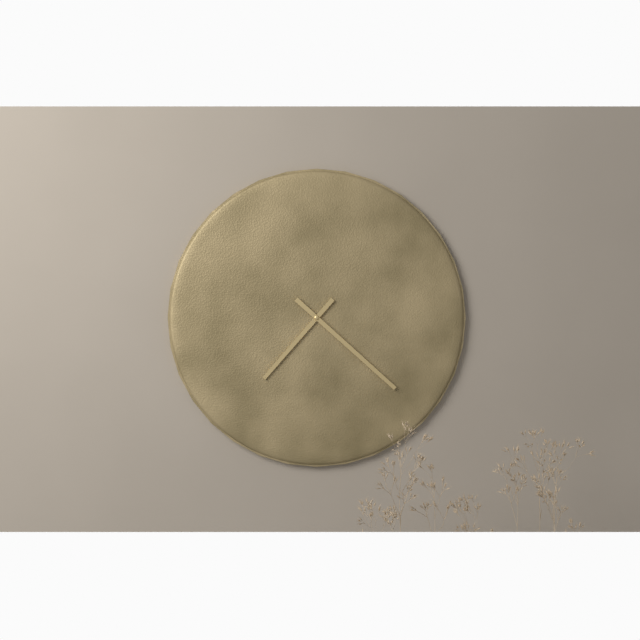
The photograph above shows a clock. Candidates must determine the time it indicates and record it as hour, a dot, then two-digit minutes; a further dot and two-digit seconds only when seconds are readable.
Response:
7.22
